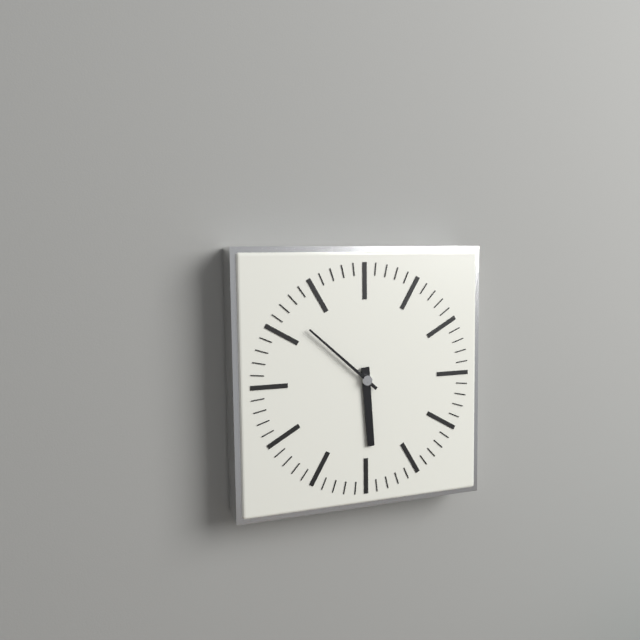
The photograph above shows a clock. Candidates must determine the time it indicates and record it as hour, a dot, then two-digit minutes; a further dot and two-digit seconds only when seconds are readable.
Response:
5.52
